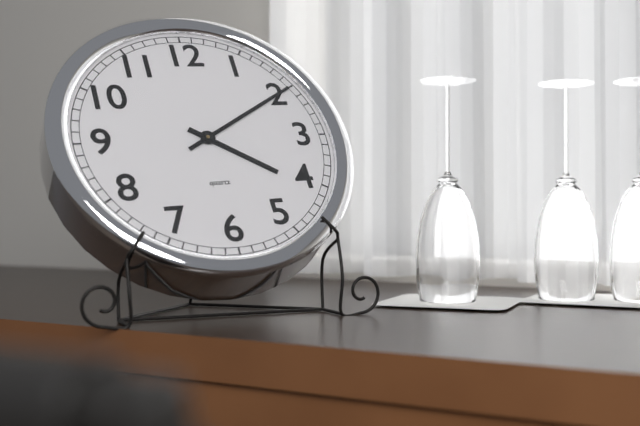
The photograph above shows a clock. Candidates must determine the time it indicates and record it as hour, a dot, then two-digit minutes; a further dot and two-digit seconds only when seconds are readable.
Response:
4.10
